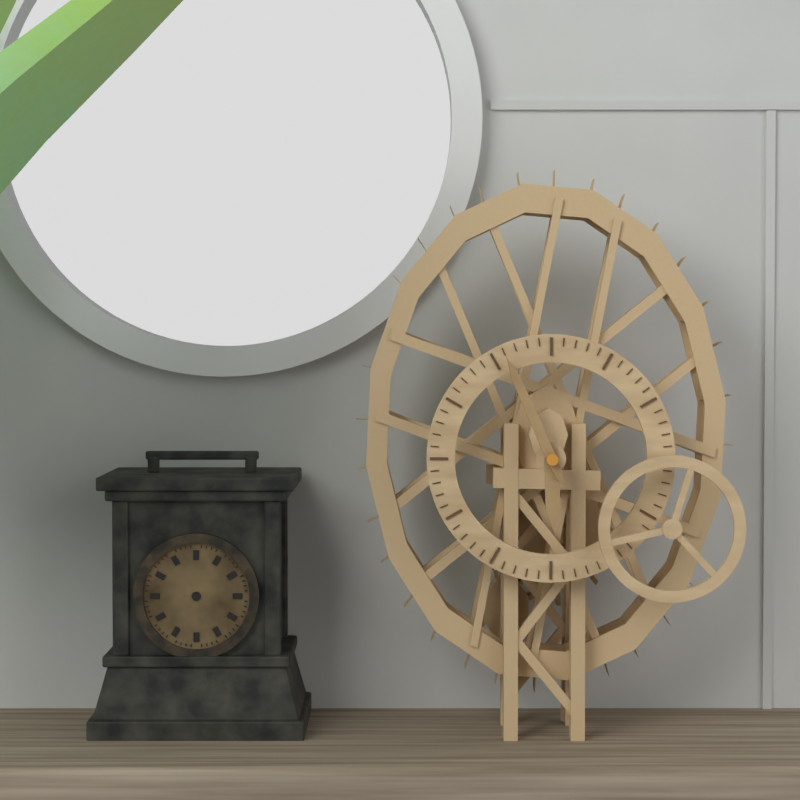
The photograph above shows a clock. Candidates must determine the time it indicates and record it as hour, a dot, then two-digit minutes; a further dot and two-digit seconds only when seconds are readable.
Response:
5.56
